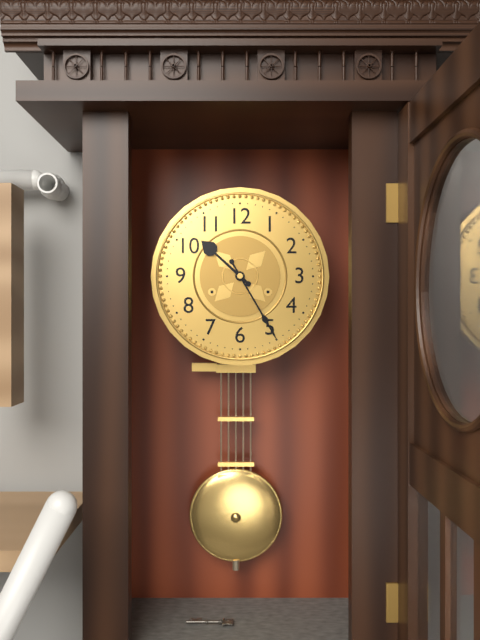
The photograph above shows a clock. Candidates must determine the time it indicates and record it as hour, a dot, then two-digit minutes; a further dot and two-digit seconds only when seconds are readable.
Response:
10.25
